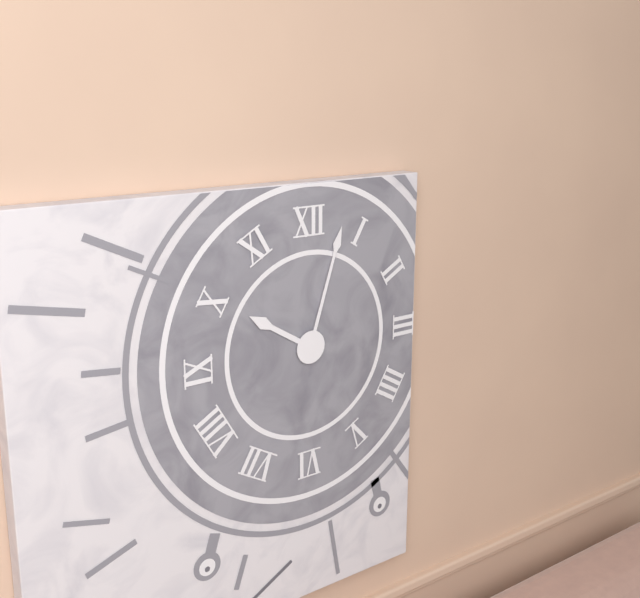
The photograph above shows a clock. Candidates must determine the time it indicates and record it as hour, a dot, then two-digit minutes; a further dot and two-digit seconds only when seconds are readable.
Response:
10.03
